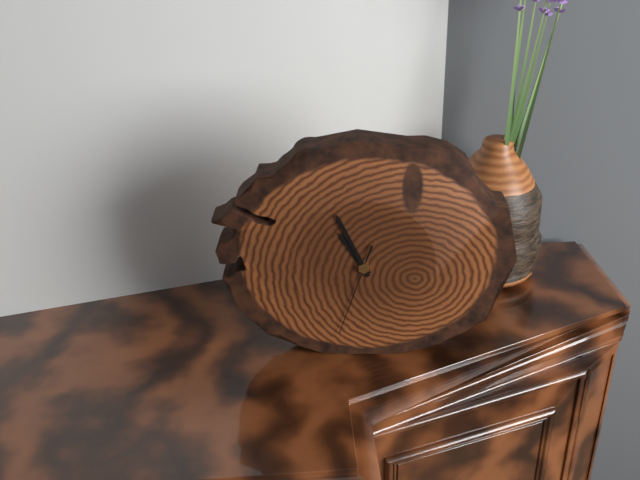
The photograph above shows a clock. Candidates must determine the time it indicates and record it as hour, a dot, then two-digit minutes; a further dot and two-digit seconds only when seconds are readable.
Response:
10.56.33
